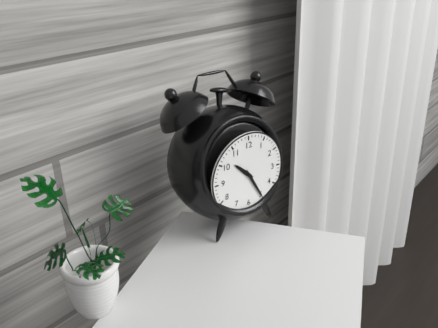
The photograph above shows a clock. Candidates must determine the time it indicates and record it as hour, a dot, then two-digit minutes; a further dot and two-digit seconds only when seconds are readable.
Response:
10.25
